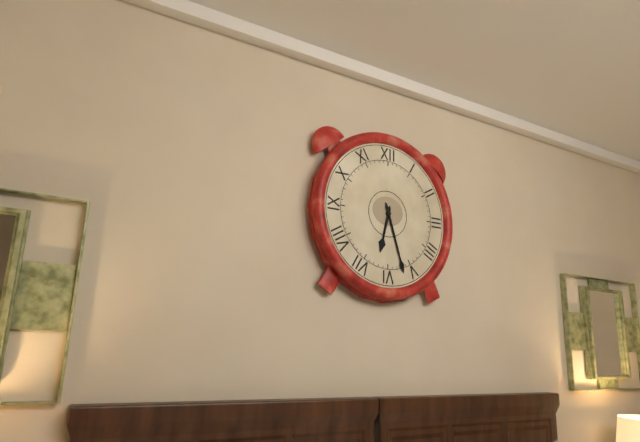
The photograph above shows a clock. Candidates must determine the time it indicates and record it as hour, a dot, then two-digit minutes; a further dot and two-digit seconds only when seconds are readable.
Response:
6.27
